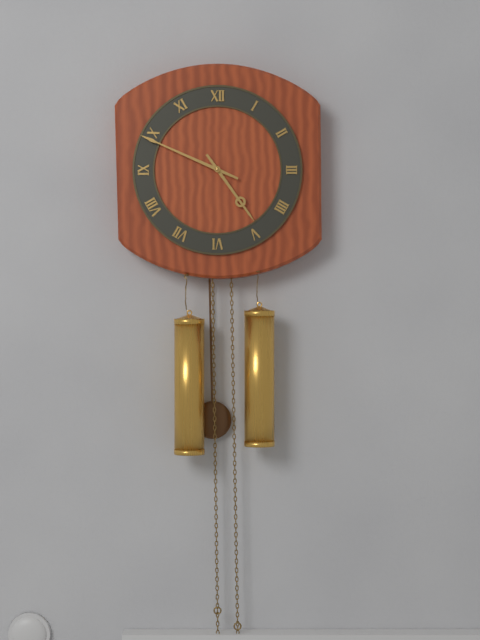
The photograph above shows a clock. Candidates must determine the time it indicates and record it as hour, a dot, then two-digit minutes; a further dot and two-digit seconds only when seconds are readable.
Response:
4.49
